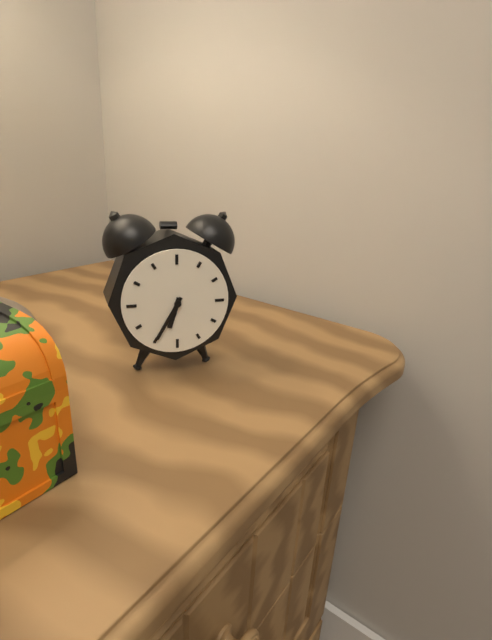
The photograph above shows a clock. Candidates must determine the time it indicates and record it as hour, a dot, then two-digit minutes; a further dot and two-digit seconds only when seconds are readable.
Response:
6.35
